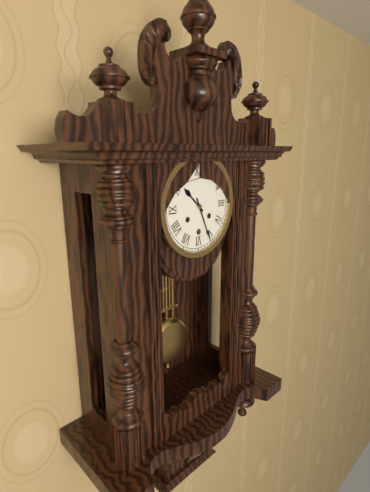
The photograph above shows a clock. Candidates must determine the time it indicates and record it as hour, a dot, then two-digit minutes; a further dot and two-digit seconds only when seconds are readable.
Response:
10.26
